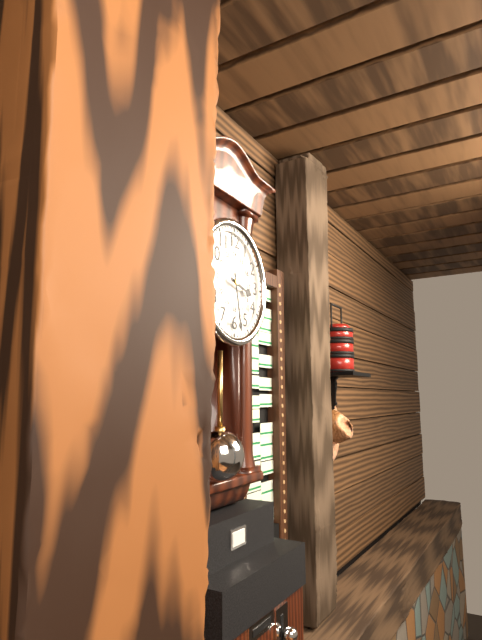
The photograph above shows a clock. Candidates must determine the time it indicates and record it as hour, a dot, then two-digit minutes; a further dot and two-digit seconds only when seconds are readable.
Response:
3.28
